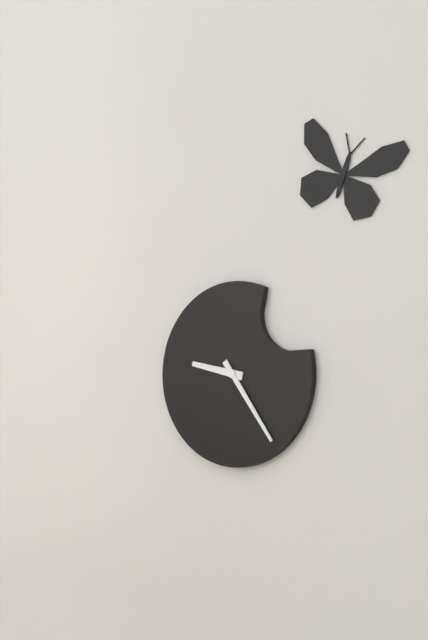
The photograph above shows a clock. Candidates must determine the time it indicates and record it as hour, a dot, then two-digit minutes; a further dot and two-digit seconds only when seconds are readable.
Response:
9.24
